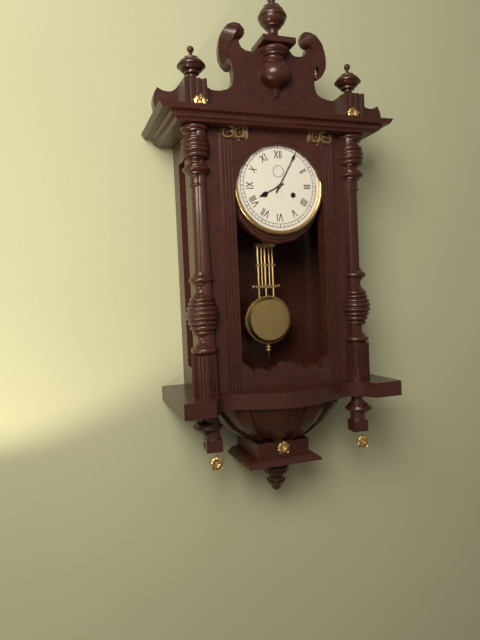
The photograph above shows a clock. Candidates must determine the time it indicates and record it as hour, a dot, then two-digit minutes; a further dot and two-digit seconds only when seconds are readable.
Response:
8.05
